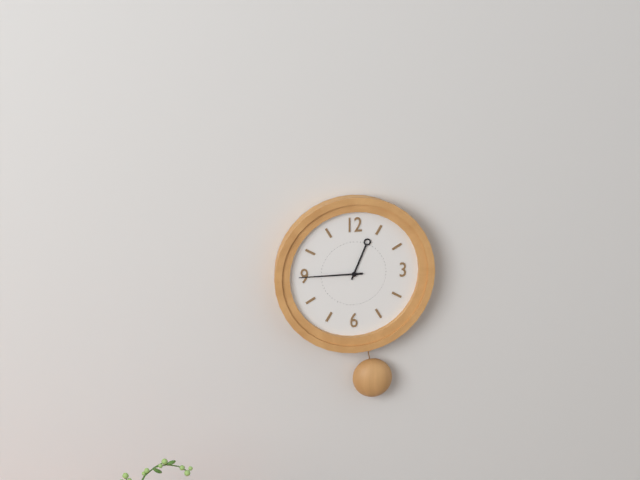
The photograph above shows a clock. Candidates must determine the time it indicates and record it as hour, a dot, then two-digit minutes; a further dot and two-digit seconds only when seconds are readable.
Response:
12.45
